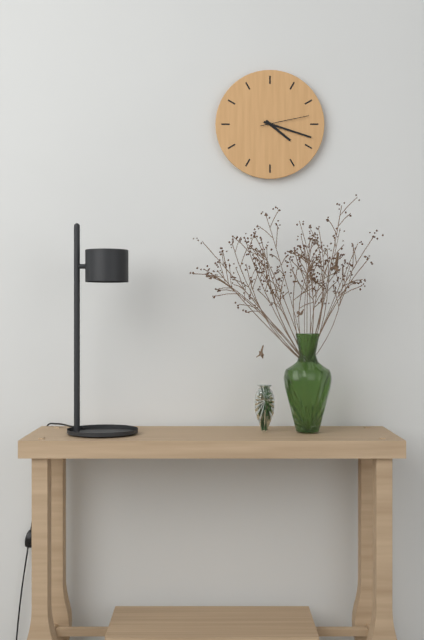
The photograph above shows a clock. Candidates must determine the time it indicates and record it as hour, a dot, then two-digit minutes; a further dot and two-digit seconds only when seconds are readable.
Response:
4.18.13
